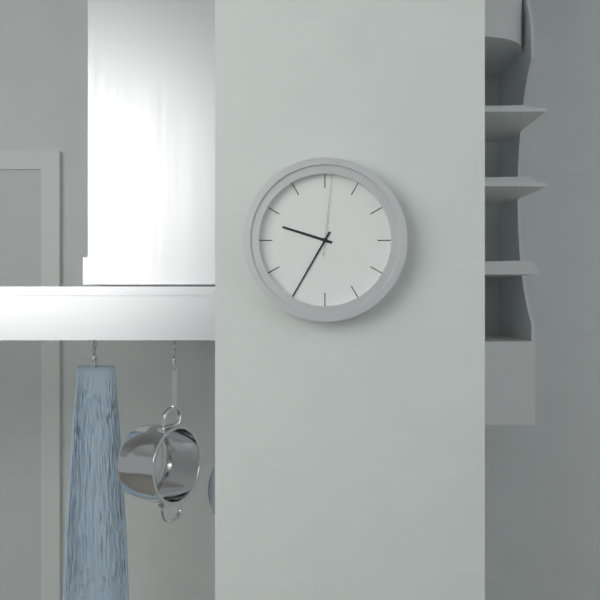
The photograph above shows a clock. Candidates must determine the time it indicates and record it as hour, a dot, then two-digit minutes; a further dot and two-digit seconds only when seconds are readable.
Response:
9.35.01
